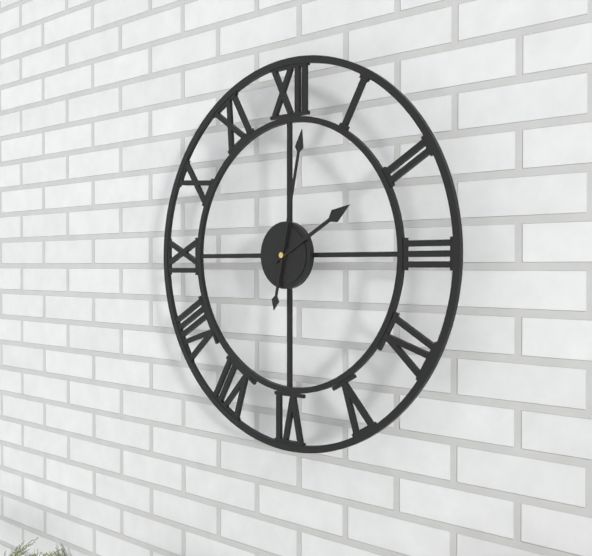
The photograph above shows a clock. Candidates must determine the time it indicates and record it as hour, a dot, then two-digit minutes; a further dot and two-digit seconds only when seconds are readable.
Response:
2.02
